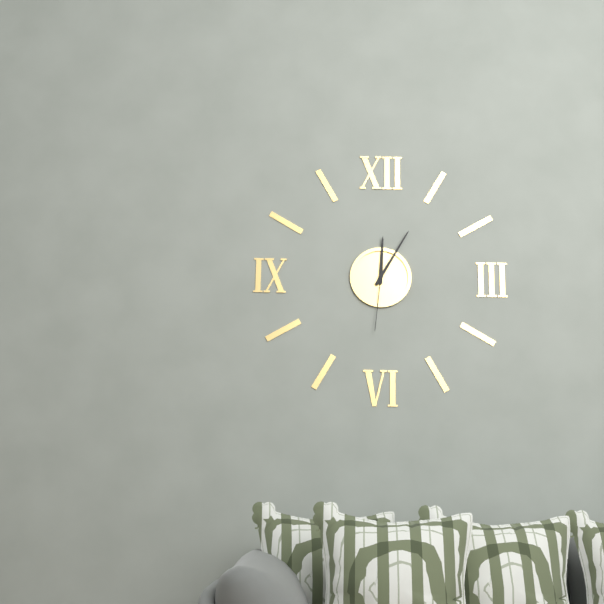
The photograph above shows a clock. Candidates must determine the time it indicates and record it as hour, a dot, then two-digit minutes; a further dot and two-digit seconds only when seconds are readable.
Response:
12.05.31
